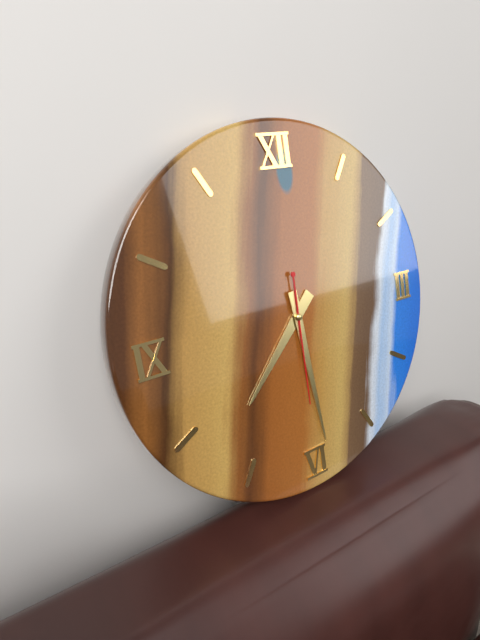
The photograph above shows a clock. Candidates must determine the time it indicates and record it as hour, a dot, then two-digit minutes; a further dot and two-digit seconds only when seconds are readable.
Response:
7.29.30
